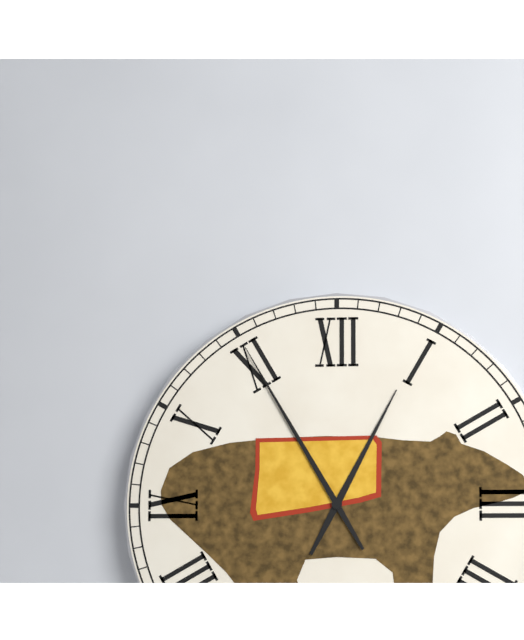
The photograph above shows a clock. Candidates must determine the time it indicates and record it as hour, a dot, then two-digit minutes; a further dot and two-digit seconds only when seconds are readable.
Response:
12.55
